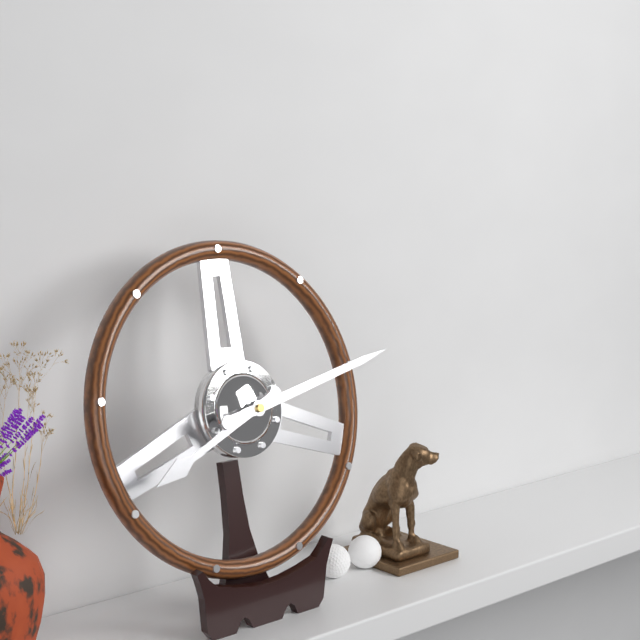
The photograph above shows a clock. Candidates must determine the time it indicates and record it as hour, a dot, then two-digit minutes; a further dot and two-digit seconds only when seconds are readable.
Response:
8.13
